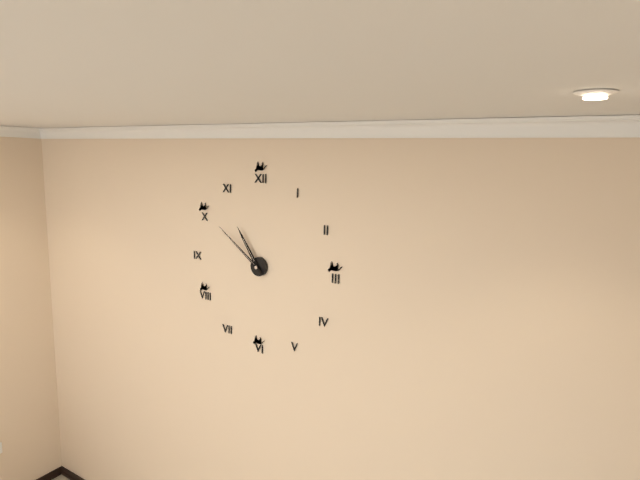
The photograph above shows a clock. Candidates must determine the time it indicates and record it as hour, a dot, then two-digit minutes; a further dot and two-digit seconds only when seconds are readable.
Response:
10.51
